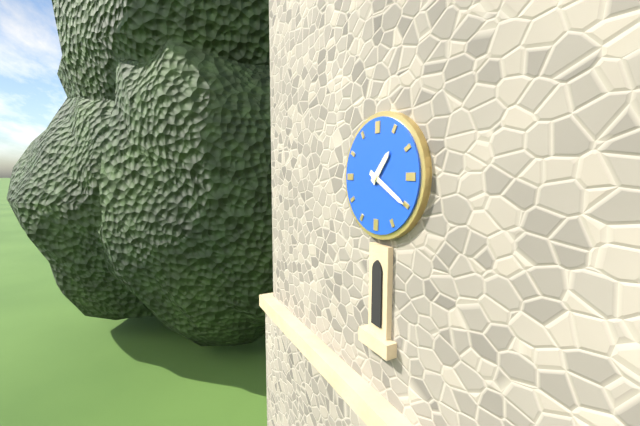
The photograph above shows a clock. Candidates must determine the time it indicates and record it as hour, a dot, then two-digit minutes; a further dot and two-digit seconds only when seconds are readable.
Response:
1.20
